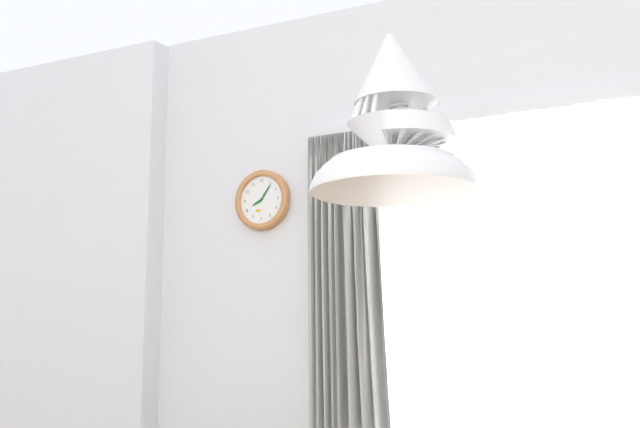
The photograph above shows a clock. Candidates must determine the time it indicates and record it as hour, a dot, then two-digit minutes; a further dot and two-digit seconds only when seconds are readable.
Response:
8.06
